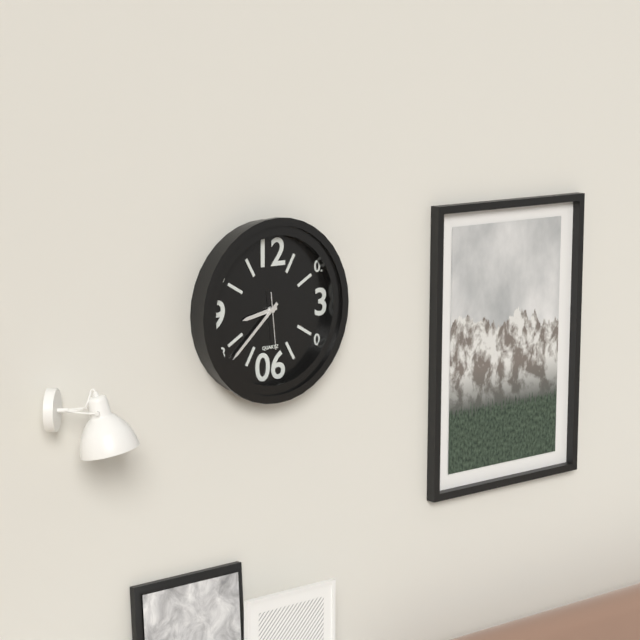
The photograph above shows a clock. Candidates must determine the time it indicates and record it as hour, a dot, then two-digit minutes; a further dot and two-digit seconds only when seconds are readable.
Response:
8.38.29
